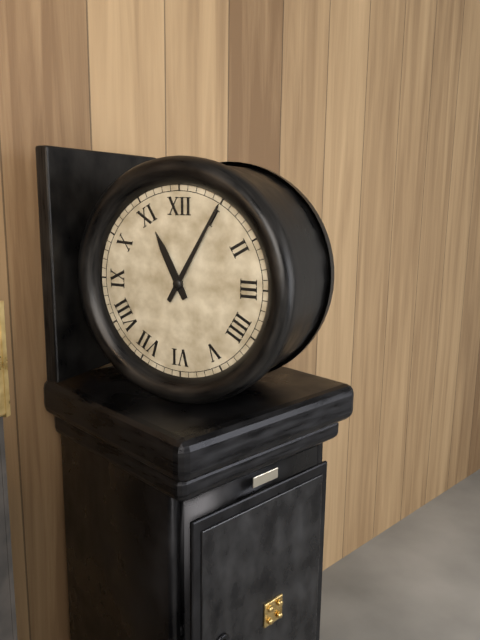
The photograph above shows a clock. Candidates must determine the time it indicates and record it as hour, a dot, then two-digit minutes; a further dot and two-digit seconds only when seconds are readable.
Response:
11.05
